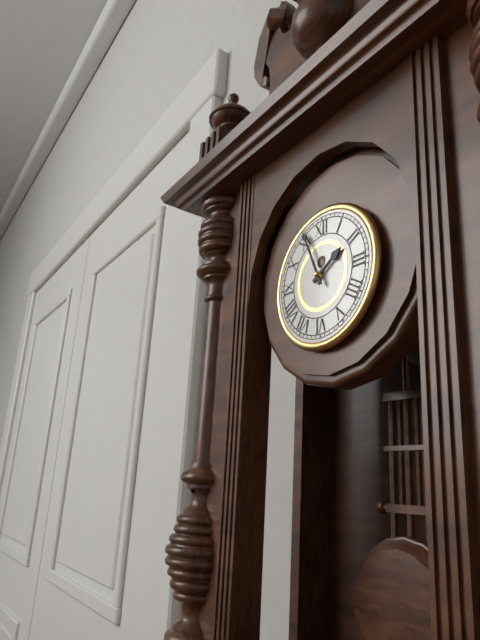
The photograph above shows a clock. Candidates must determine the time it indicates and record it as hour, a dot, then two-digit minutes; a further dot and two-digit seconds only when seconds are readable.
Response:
1.56
